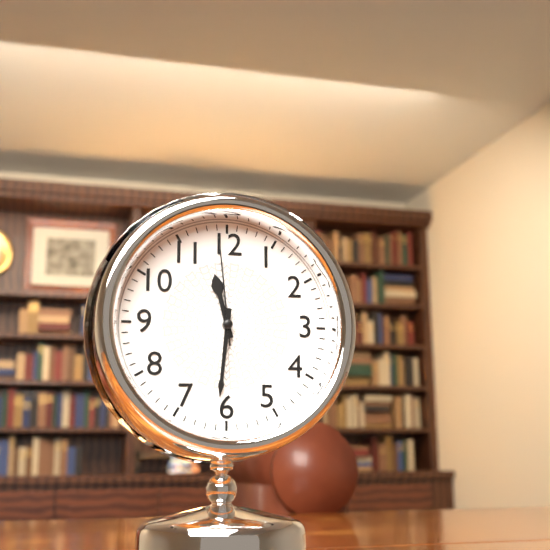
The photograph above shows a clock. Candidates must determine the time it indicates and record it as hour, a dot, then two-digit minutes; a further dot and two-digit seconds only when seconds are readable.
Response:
11.31.59
